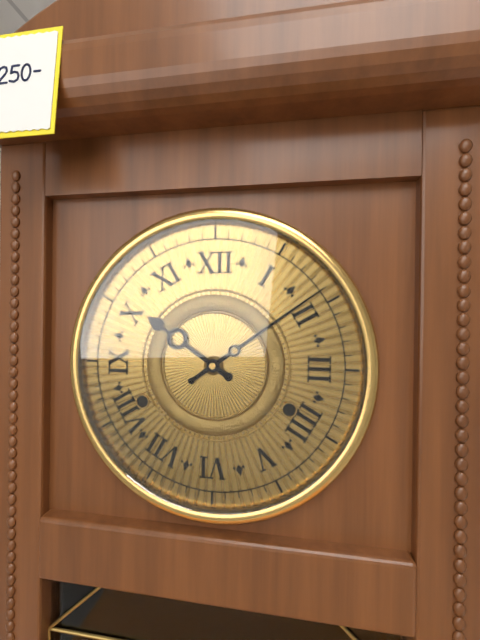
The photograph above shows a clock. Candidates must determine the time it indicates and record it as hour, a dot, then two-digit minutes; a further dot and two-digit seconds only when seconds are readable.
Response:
10.09
